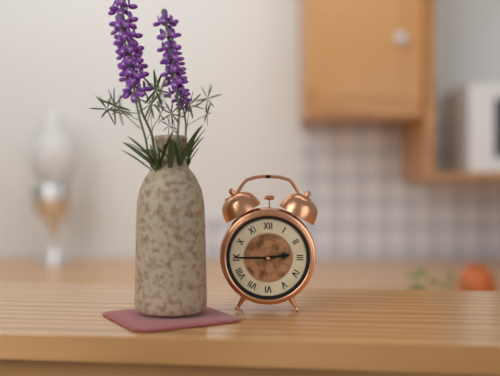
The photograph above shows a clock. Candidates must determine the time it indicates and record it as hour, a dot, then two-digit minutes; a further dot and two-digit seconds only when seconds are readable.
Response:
2.45
